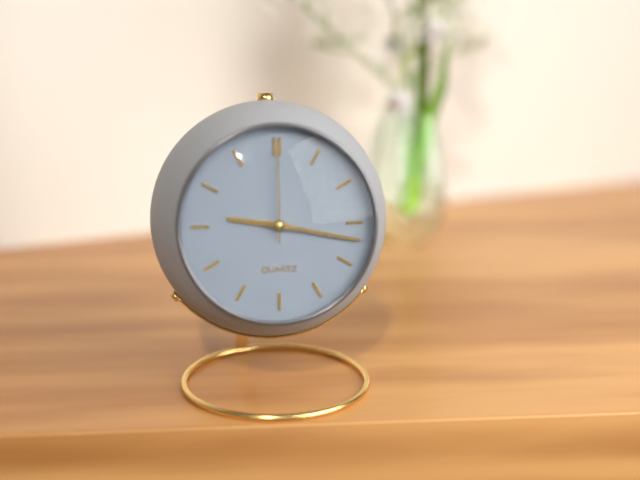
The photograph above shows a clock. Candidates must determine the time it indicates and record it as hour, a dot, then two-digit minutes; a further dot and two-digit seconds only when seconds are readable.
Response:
9.17.00
